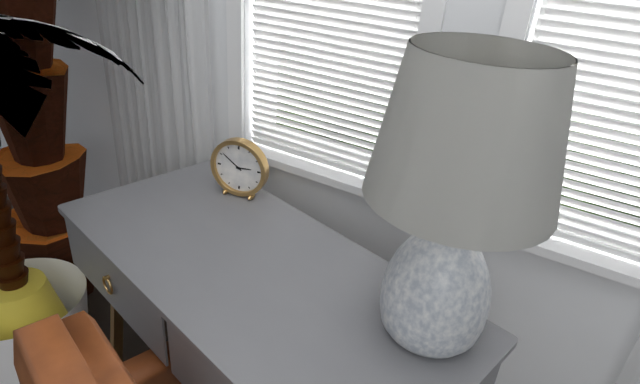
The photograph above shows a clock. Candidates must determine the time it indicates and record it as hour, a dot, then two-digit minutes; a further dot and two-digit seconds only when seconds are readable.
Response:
2.51
